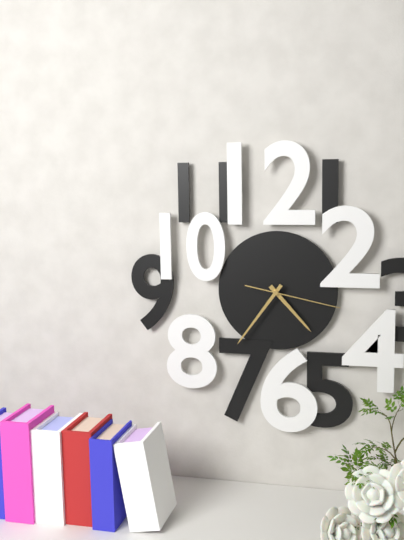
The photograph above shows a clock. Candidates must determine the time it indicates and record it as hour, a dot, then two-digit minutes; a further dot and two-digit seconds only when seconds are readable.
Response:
4.36.17
